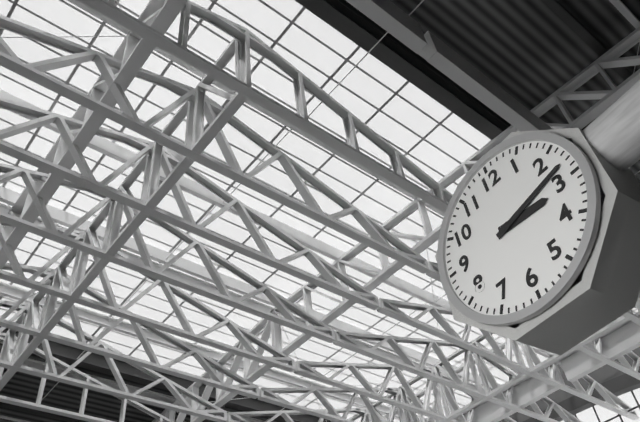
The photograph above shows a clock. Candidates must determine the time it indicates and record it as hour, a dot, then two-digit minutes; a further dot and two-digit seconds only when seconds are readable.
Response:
3.13
